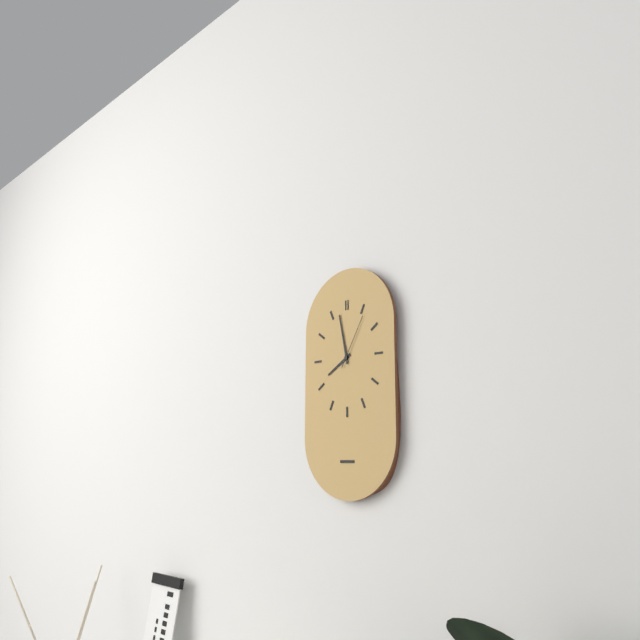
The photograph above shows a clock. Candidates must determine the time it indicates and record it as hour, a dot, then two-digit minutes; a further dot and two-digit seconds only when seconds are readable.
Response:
7.58.05
